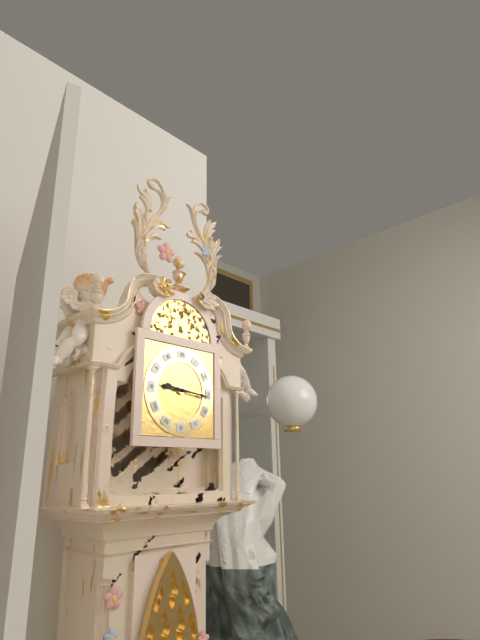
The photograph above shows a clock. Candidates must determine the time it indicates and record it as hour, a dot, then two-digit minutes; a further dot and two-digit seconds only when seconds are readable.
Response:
9.16
